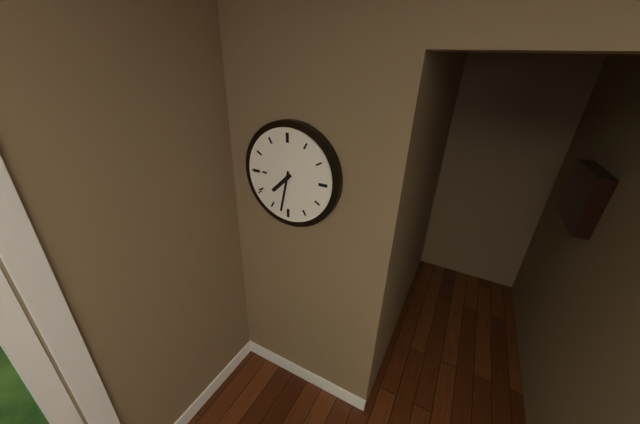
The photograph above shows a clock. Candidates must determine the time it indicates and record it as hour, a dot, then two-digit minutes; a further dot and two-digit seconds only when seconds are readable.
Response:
7.32
